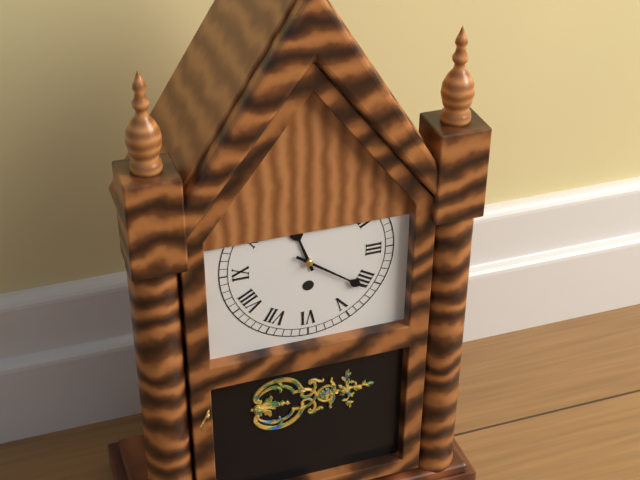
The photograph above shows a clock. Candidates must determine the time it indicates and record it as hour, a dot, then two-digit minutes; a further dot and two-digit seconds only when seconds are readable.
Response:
11.21
